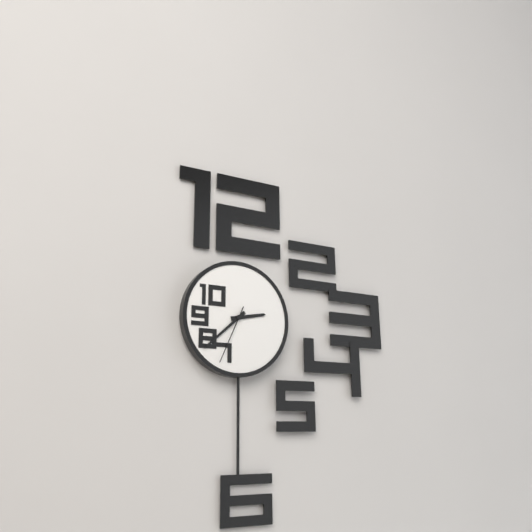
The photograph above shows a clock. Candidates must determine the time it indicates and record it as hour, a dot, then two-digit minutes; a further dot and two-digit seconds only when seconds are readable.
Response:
2.38.34
